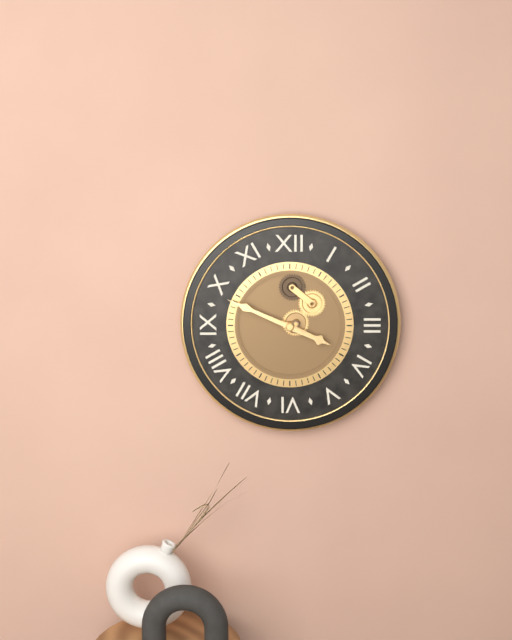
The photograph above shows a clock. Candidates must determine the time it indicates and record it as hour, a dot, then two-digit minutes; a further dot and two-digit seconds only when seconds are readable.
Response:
3.49
